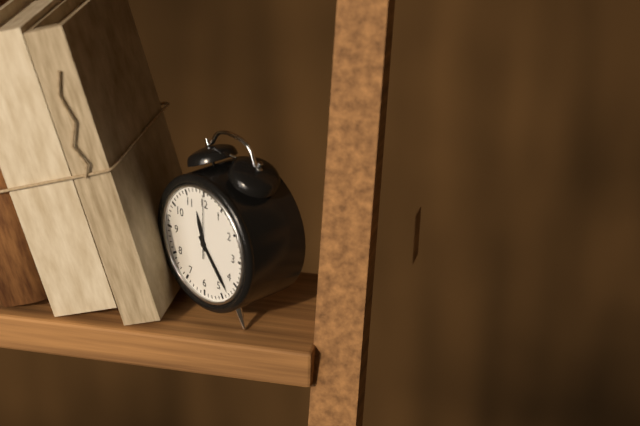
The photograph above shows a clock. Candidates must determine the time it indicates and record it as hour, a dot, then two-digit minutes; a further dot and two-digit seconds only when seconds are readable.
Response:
11.23.00
